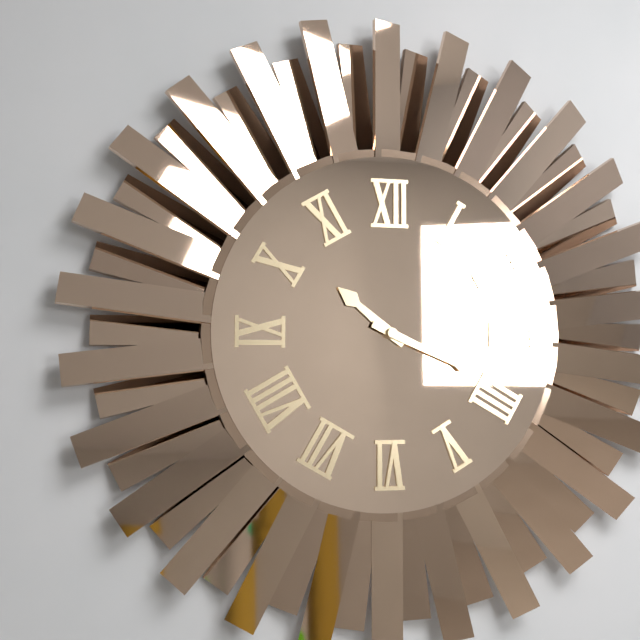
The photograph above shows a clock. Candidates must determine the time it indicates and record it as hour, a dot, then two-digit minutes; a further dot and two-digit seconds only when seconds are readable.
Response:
10.19
